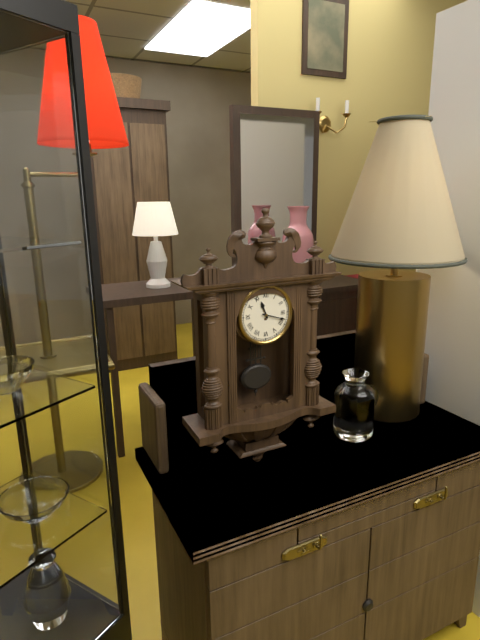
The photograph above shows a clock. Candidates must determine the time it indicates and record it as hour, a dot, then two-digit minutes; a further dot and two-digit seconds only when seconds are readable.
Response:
11.18
